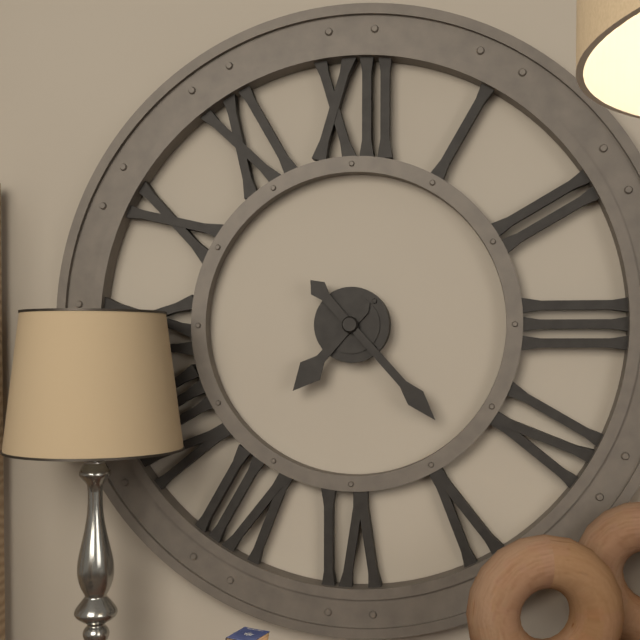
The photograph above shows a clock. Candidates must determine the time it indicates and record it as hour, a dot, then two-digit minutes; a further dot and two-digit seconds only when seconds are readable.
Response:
7.23
